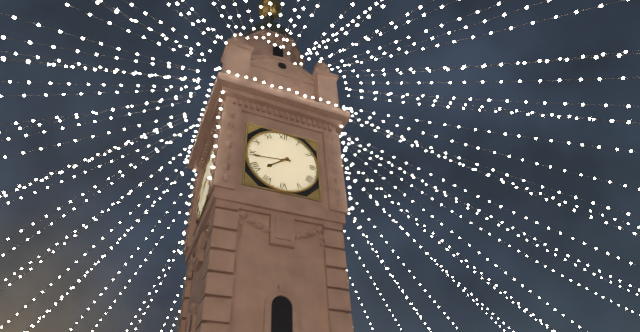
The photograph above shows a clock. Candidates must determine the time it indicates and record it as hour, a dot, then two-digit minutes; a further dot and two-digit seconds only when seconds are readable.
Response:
7.44
